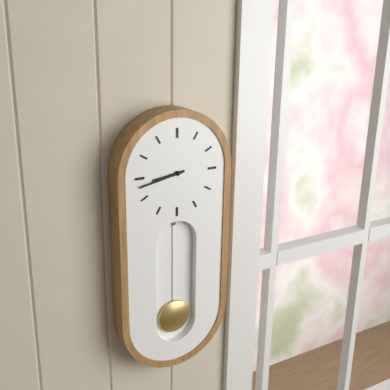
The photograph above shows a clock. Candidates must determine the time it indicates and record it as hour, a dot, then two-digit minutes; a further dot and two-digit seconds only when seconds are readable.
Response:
8.43
